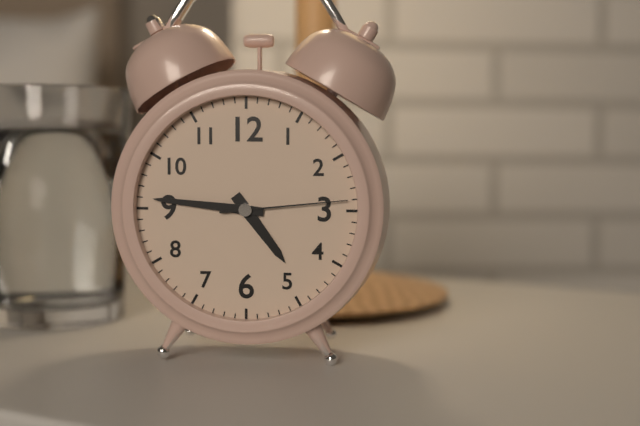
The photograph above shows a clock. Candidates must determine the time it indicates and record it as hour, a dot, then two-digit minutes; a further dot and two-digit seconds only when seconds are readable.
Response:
4.46.14
